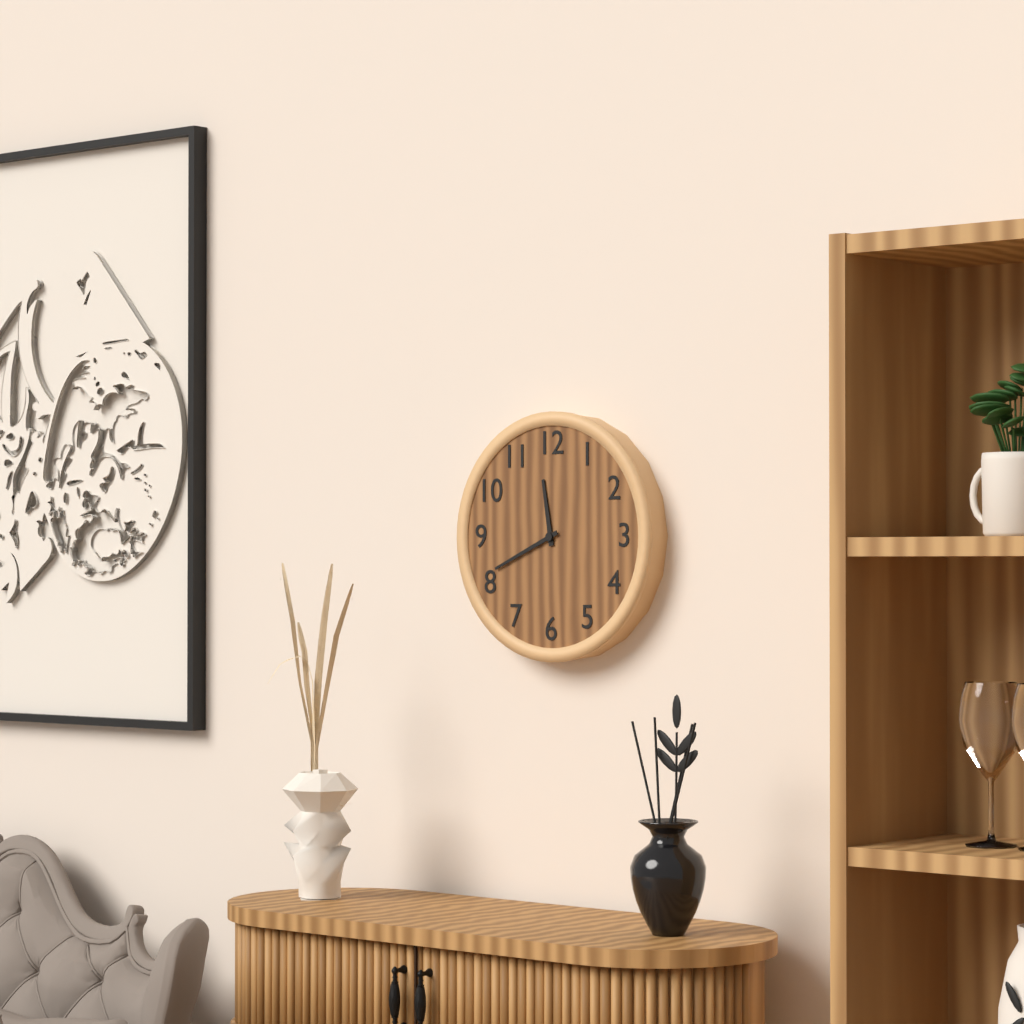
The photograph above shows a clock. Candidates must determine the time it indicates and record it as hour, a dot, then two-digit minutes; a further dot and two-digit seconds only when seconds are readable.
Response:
11.41
